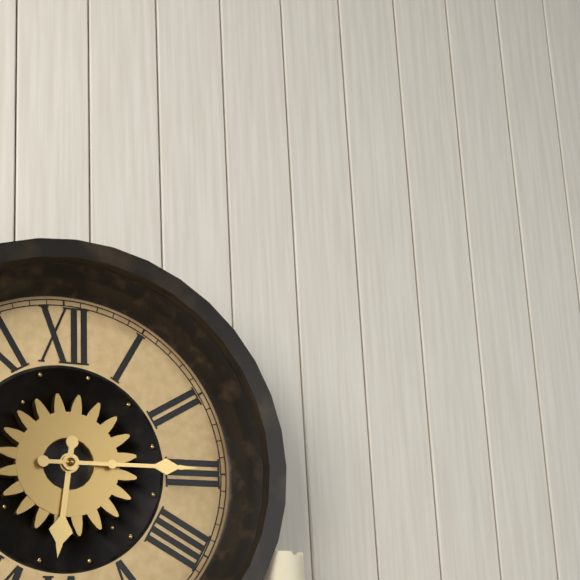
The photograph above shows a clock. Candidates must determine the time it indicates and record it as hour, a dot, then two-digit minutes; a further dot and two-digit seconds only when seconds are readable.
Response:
6.15
